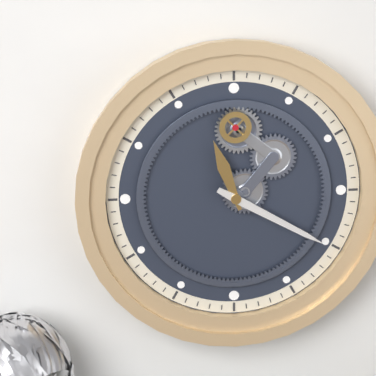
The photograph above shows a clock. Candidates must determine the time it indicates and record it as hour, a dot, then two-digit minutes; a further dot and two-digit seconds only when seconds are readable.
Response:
11.20
